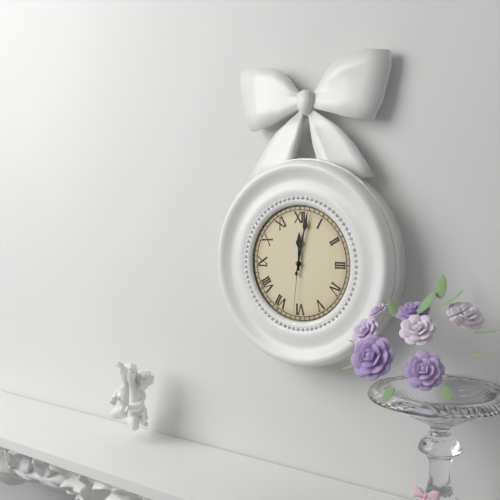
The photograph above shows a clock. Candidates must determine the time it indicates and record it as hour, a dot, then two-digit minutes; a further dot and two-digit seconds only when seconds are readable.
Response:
12.02.31
